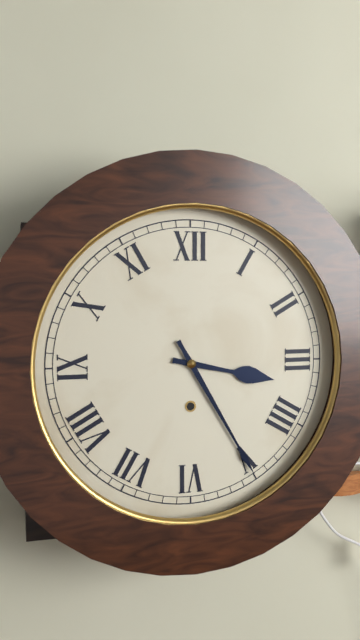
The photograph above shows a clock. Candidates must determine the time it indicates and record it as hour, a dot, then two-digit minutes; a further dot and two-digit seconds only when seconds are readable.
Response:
3.25
